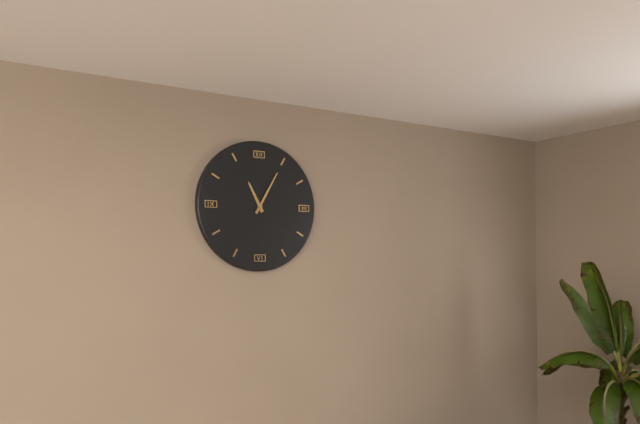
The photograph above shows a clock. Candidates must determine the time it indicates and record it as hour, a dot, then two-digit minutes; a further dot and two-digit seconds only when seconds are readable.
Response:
11.05
